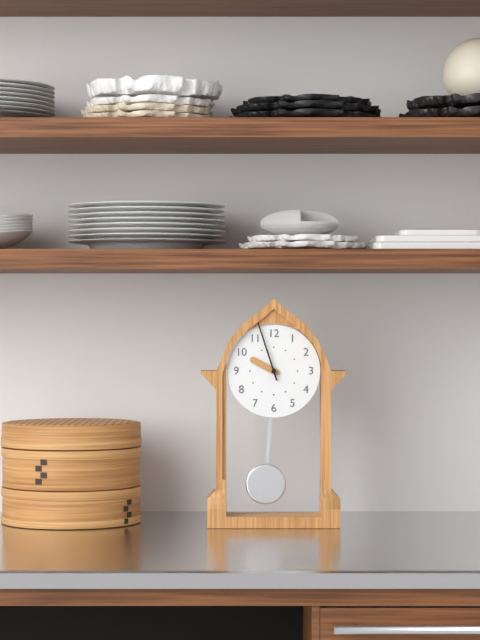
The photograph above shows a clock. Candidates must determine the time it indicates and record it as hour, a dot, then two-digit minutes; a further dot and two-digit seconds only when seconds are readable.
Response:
9.57
